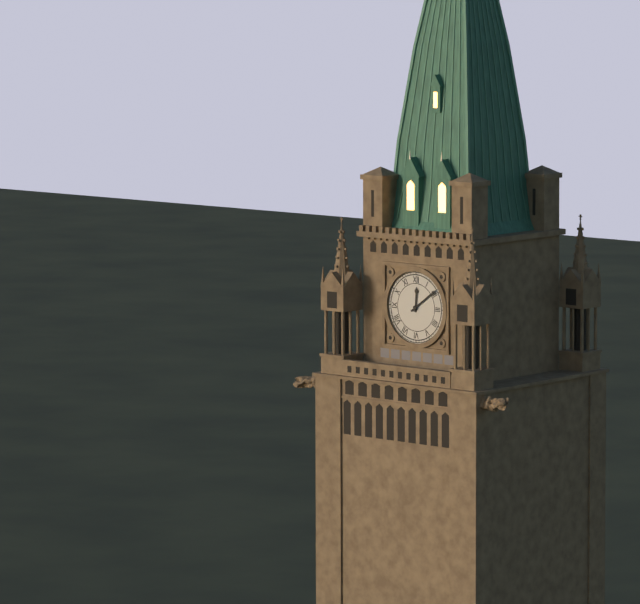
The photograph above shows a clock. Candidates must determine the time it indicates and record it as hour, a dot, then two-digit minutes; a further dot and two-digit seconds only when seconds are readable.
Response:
12.09
